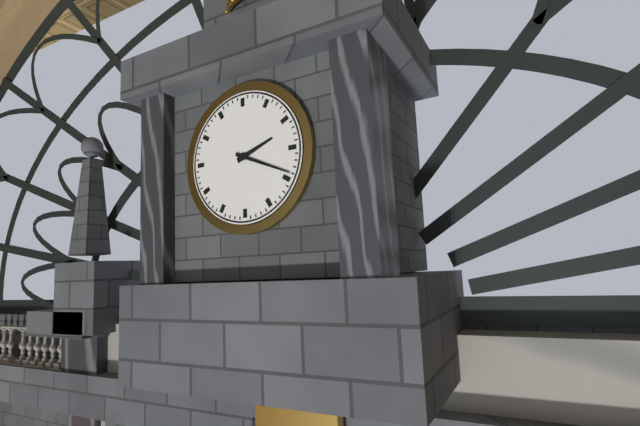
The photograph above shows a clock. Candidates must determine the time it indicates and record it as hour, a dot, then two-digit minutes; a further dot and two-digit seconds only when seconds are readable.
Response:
2.19
